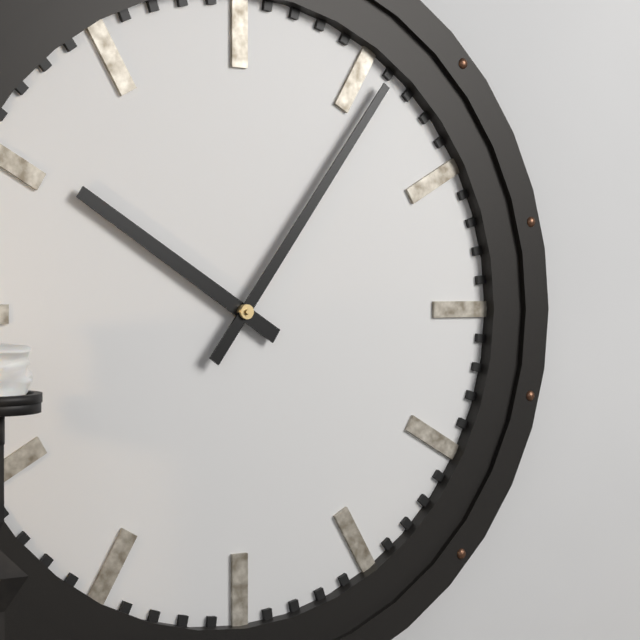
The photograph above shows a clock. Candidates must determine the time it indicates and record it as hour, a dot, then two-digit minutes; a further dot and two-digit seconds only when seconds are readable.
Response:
10.06
